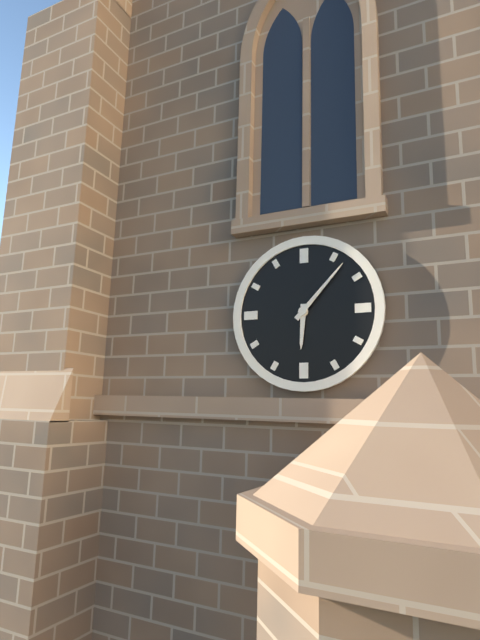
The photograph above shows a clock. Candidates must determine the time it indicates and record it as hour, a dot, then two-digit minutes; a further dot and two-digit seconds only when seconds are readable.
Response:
6.07
